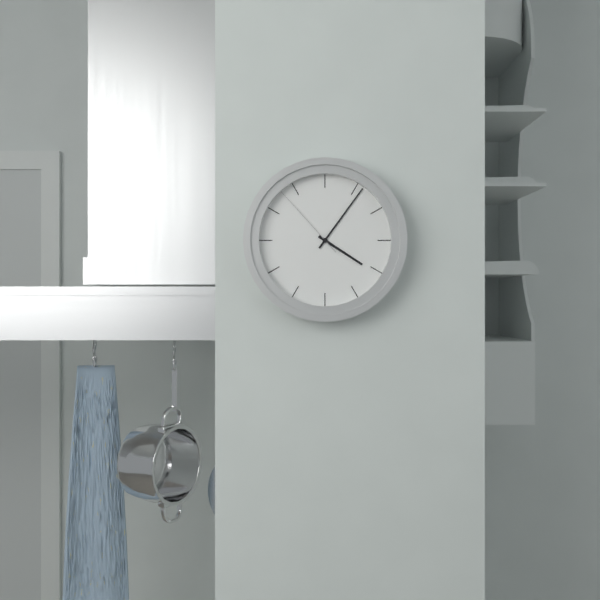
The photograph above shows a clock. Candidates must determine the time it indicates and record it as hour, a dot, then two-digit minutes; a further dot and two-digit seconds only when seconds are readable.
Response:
4.06.53
